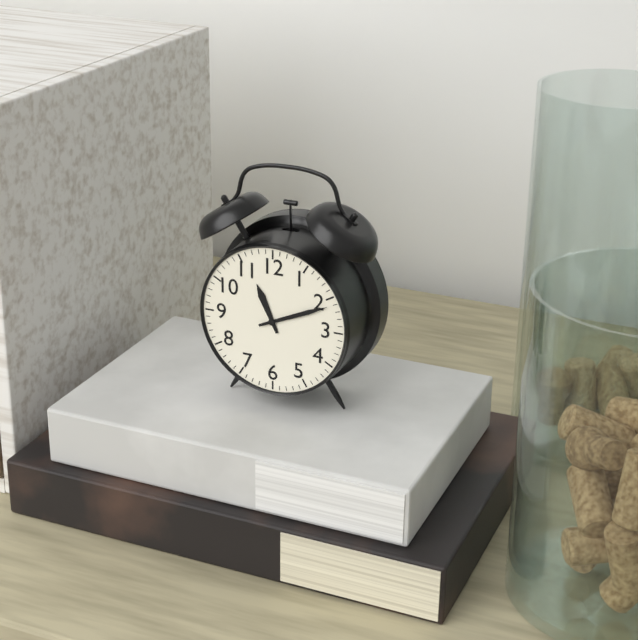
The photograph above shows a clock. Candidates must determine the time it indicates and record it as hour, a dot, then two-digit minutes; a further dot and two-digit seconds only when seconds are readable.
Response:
11.11
